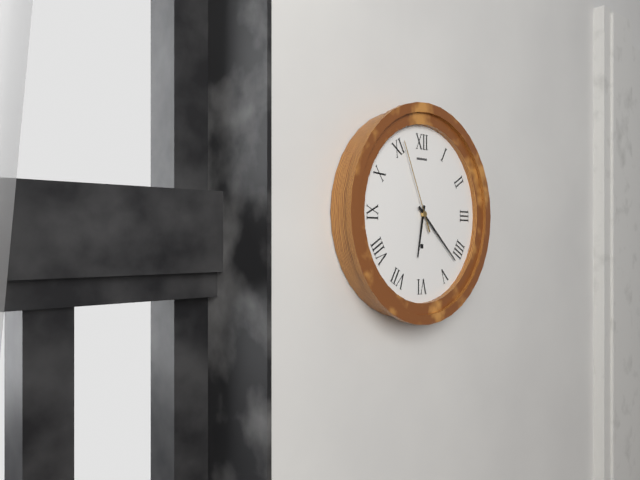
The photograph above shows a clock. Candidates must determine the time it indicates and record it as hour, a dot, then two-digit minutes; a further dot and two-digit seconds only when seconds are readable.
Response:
6.22.56
